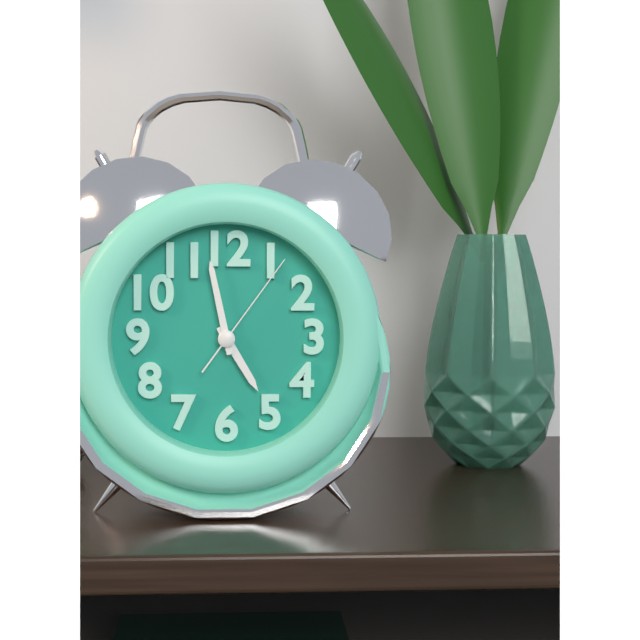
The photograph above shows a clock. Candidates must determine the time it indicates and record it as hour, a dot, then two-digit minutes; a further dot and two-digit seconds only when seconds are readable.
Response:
4.58.06
